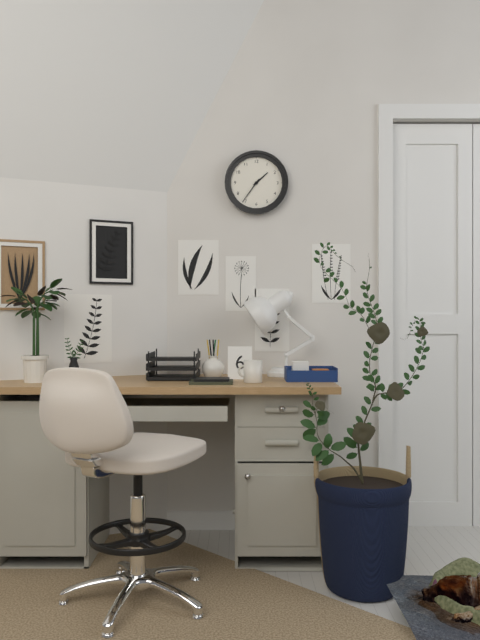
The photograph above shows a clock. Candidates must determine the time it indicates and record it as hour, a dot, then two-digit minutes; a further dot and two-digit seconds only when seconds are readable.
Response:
1.36
